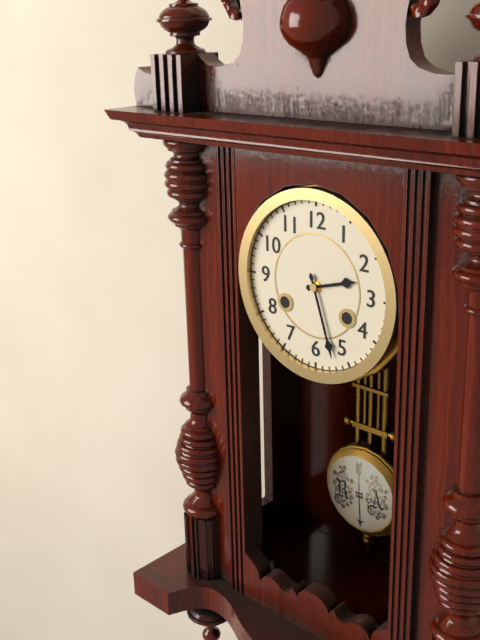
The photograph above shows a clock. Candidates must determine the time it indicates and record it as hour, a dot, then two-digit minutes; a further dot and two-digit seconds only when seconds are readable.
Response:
2.27
